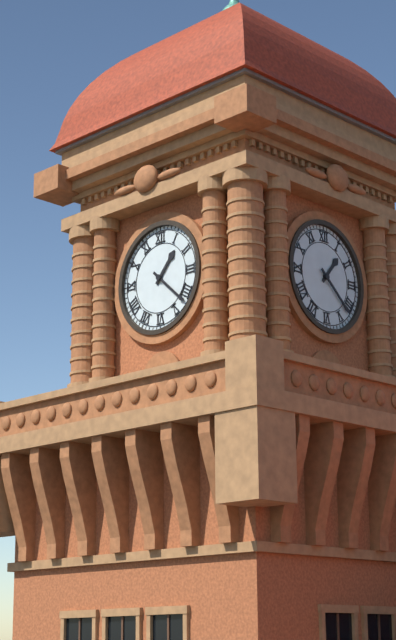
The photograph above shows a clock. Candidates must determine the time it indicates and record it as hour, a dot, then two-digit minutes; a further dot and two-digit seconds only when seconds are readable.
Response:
1.22
